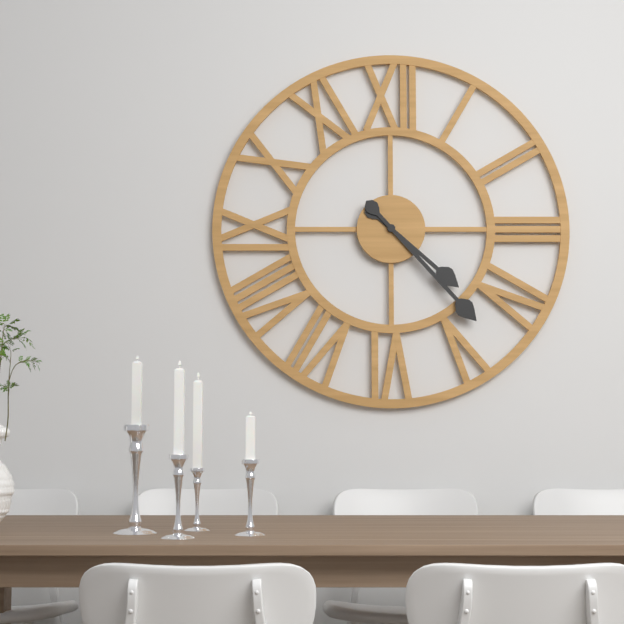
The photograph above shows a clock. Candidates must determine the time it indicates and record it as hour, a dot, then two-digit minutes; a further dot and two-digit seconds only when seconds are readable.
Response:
4.23
